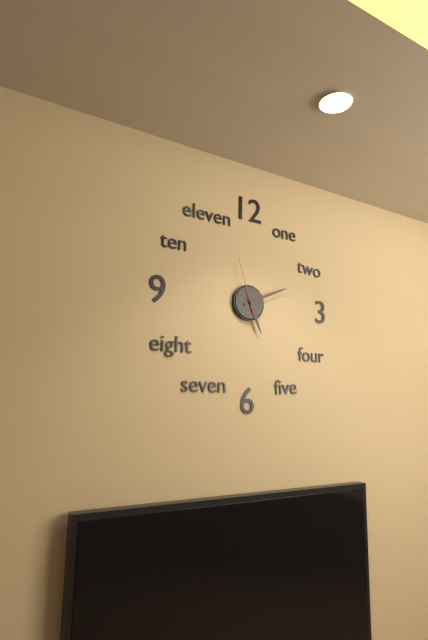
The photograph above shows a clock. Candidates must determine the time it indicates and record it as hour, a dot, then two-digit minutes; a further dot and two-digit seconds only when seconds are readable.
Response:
5.11.57
